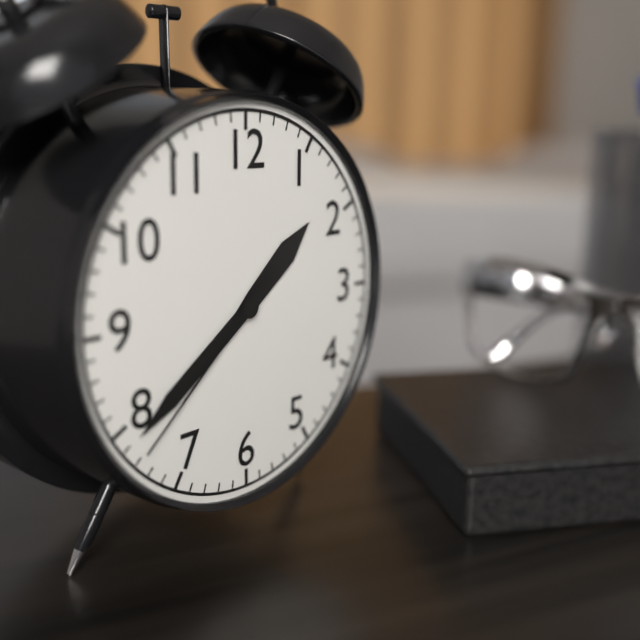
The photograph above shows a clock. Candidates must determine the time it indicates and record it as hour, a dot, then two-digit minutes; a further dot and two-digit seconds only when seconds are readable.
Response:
1.39.38
